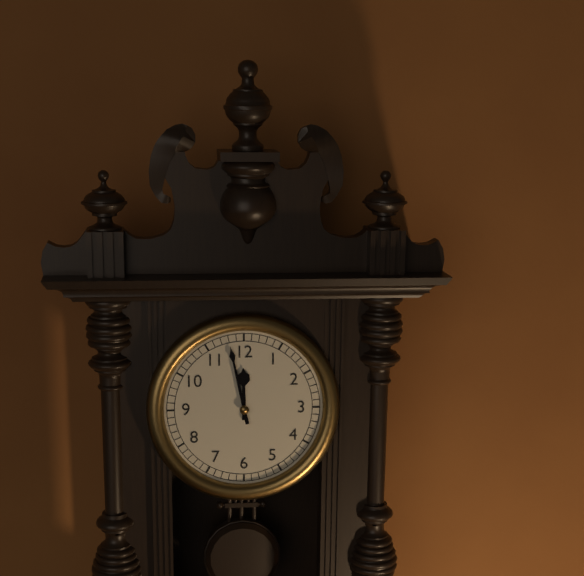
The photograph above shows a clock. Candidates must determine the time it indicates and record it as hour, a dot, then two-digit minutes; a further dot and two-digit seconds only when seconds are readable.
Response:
11.58
